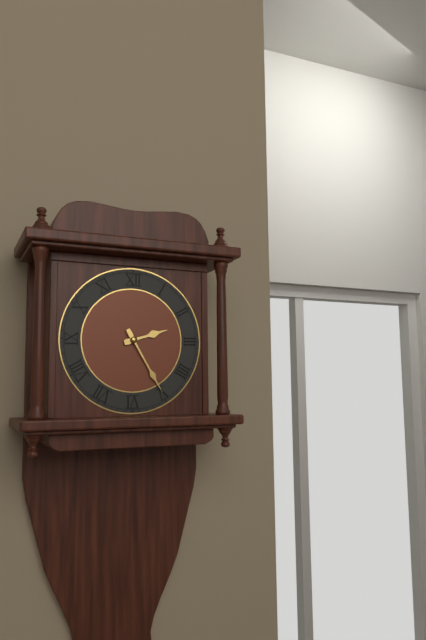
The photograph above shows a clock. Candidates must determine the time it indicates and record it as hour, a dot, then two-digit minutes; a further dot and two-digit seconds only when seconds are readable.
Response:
2.25
